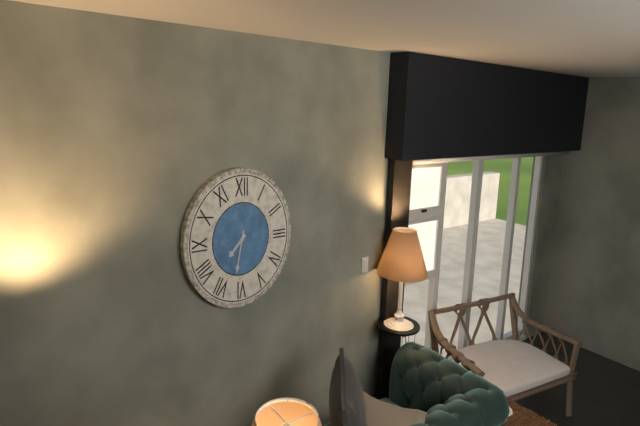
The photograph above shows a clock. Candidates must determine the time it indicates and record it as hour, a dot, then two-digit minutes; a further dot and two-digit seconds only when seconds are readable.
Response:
7.32
